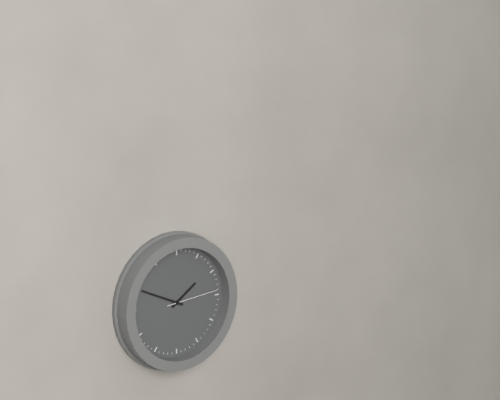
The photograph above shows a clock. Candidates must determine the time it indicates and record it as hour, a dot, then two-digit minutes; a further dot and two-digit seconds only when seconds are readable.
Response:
1.49.14
